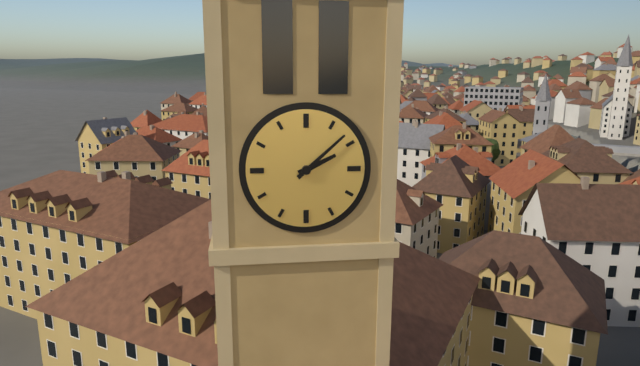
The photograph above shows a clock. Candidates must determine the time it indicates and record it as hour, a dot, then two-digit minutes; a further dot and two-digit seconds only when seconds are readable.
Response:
2.08
